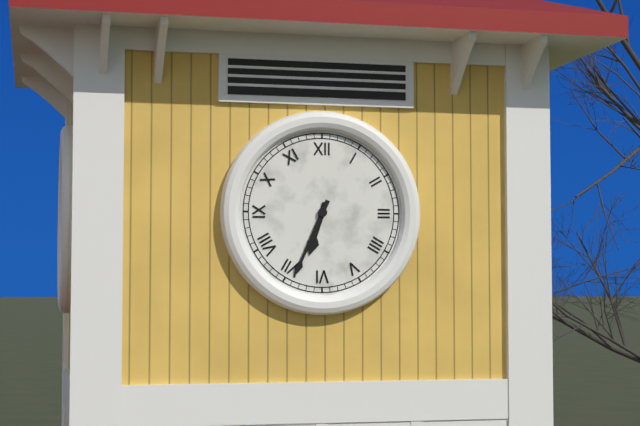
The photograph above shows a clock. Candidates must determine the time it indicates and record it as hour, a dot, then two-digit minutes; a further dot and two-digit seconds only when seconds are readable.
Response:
6.34
